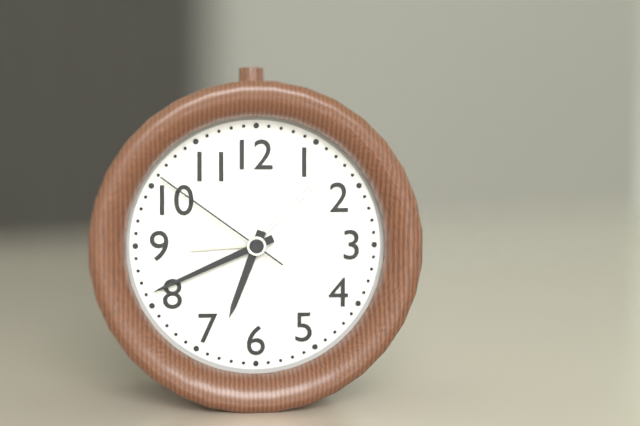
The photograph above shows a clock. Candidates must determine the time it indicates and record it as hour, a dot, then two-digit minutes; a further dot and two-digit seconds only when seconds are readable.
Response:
6.41.51
